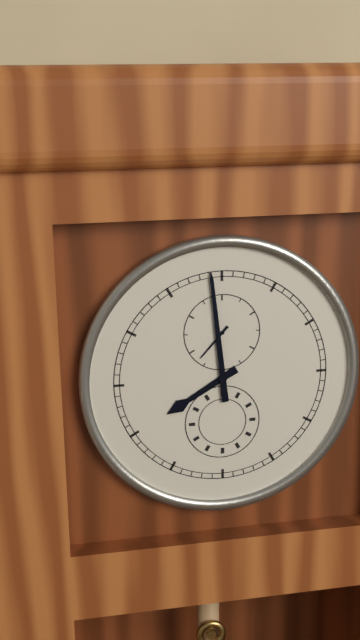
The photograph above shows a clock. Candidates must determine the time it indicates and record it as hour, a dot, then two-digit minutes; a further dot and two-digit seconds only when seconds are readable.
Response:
7.59
